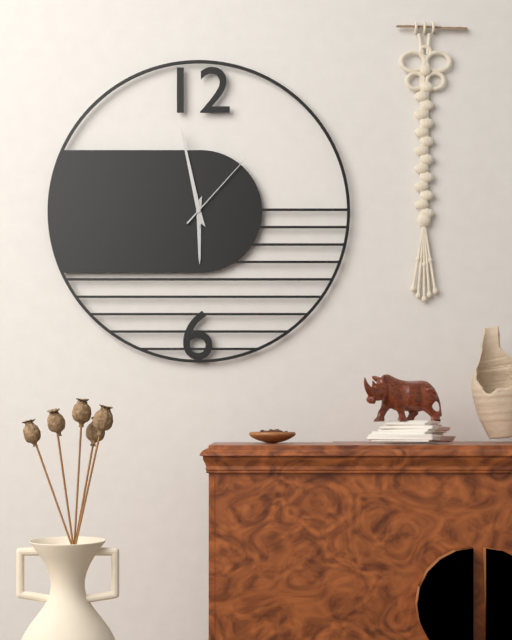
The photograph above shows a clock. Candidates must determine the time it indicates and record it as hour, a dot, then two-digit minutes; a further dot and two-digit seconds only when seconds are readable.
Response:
5.58.07
